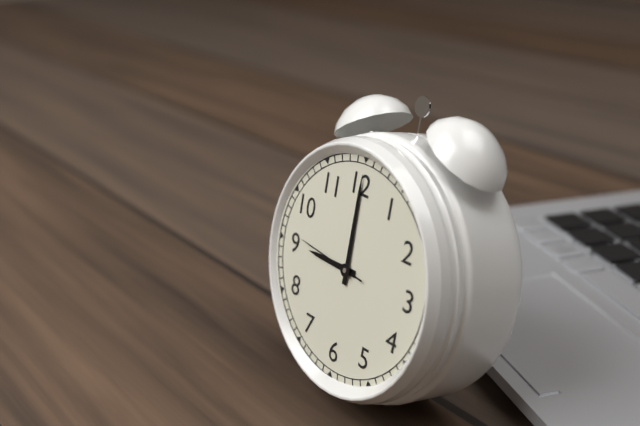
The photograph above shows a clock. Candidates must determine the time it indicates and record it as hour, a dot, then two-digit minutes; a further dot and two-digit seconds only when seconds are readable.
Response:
9.00.46
